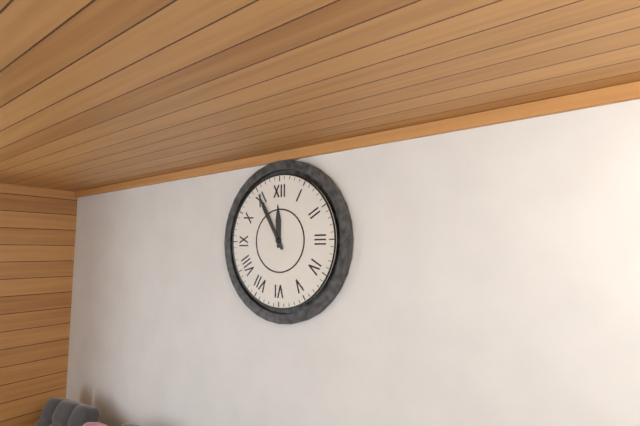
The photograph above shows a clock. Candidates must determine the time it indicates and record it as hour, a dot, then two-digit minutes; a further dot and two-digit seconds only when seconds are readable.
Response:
11.55
